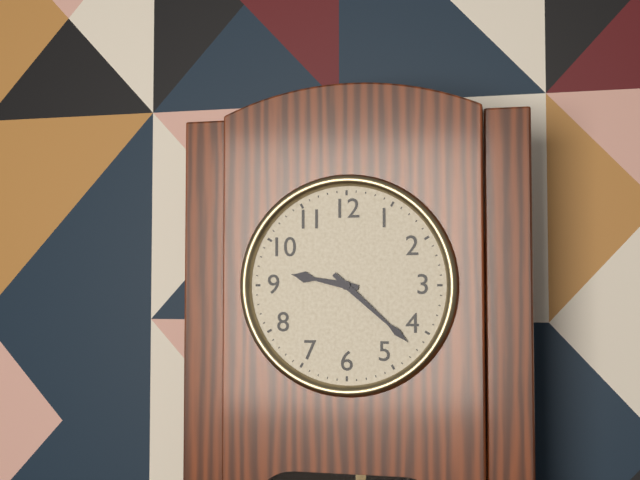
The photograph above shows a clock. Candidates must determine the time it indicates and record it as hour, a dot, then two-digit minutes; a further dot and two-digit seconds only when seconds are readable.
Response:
9.22
